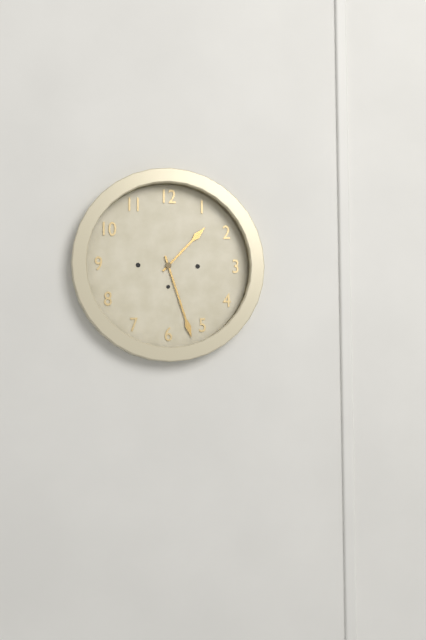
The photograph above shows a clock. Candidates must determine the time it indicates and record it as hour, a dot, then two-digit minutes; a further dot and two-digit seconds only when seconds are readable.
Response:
1.27
